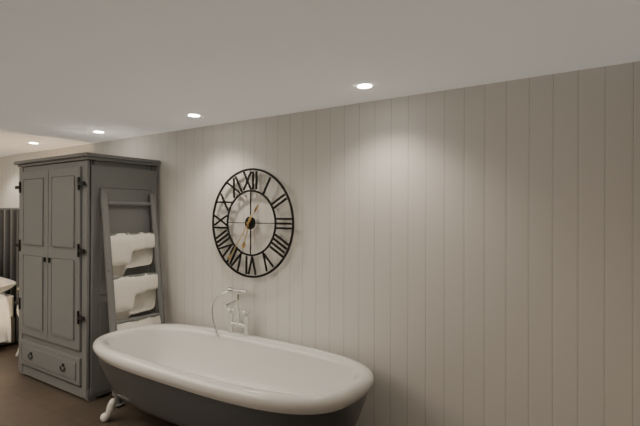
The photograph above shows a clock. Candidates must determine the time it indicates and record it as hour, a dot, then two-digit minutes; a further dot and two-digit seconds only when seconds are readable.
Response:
6.36
